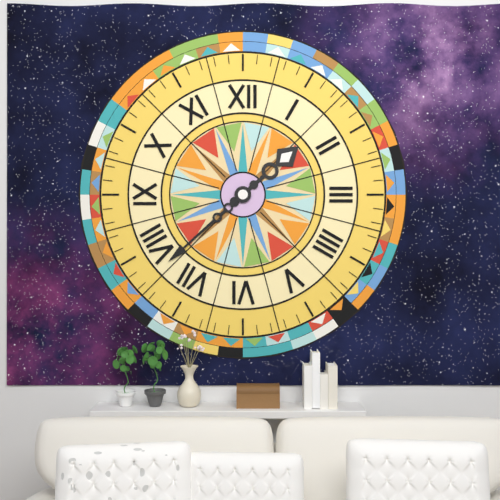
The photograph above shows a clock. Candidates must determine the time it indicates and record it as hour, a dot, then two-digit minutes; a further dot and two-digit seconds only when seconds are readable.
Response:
1.38
